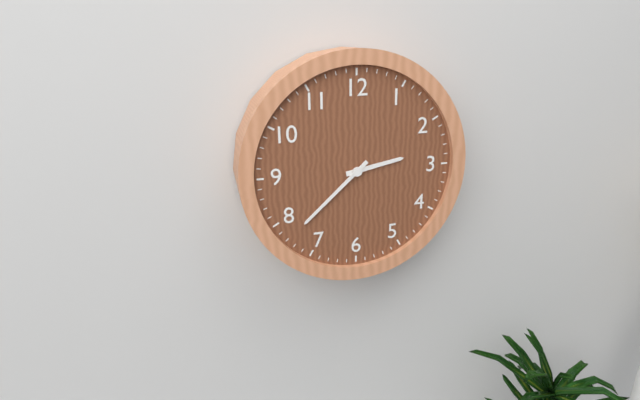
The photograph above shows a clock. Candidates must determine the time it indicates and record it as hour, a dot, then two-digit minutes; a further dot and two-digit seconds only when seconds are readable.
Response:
2.38
